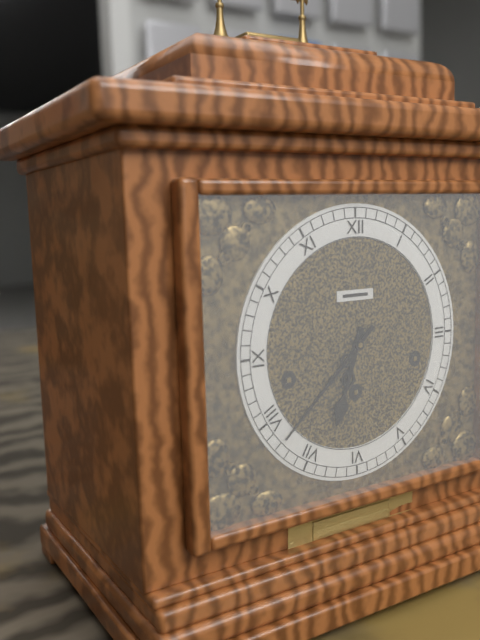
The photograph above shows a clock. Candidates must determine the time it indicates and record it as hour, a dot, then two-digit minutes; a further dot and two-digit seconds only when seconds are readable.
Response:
6.38
